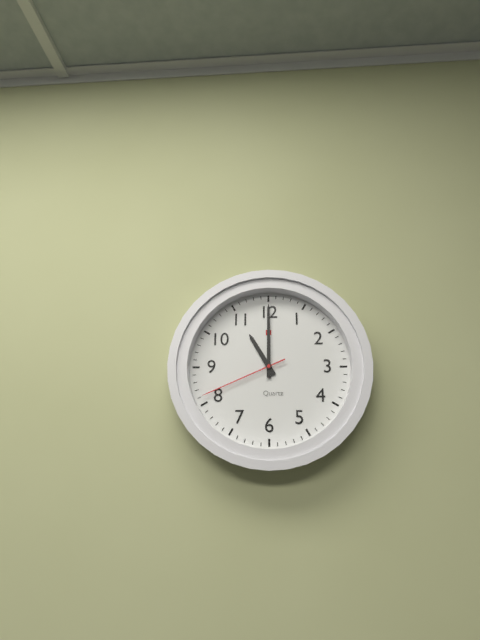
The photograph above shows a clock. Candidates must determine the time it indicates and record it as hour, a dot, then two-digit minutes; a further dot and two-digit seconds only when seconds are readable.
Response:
11.00.41
